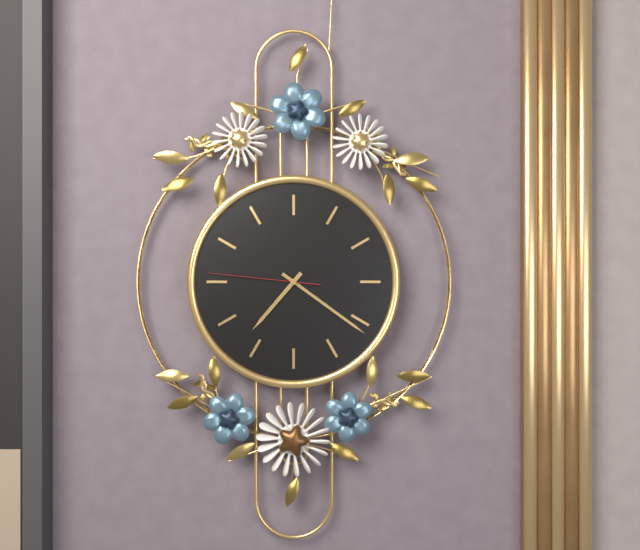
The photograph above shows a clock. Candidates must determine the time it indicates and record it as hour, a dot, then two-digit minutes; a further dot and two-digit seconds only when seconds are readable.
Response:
7.21.46
